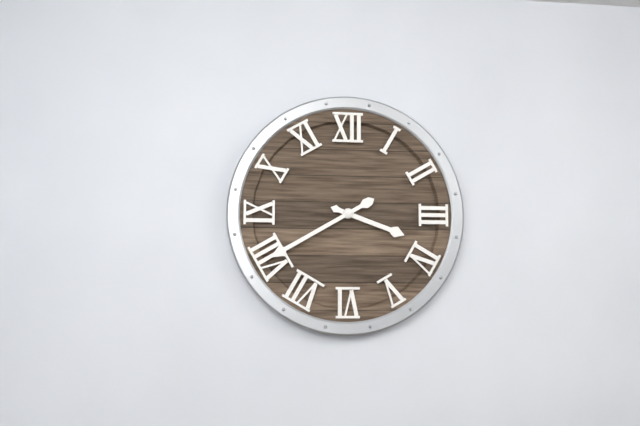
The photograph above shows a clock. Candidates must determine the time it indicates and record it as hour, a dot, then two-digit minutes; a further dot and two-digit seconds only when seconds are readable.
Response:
3.40
